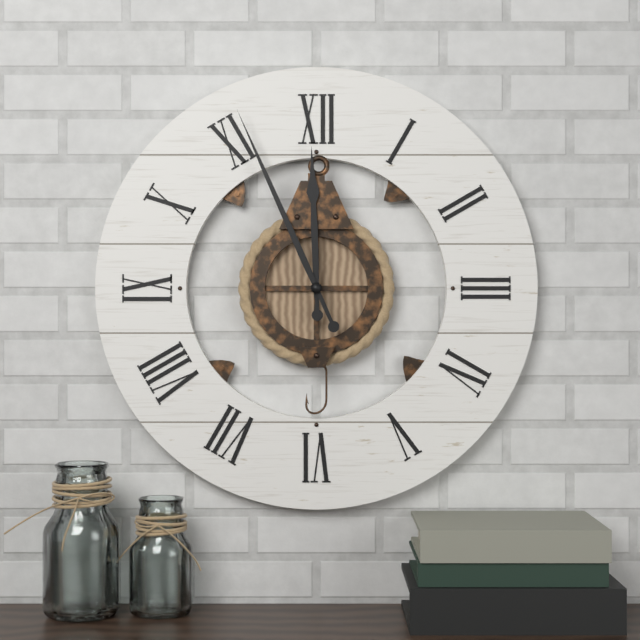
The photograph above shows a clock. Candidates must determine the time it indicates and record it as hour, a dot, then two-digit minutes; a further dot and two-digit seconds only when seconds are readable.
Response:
11.56
